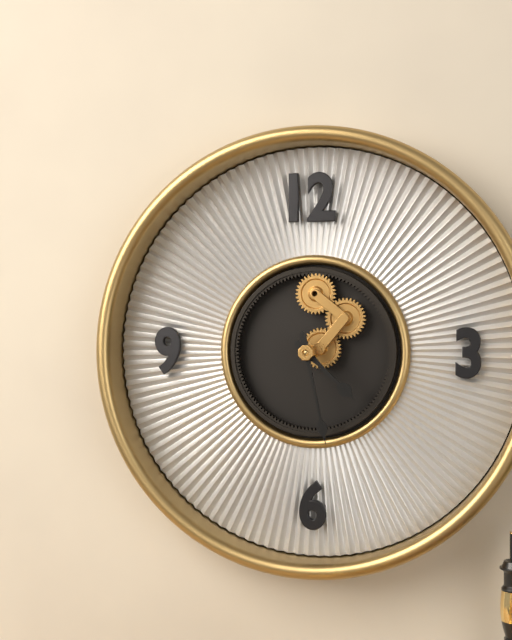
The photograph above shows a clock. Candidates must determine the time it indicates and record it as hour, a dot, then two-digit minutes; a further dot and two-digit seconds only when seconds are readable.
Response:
4.28
